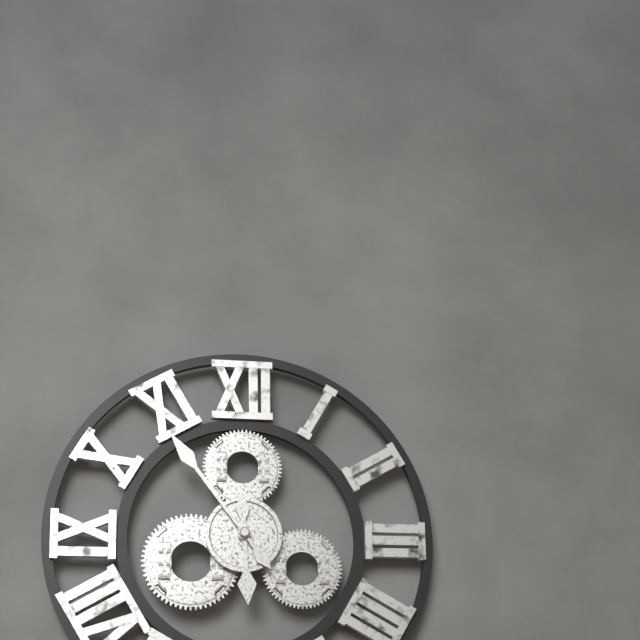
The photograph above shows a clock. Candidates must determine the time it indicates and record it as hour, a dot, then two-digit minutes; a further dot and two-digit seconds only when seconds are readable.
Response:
5.54
